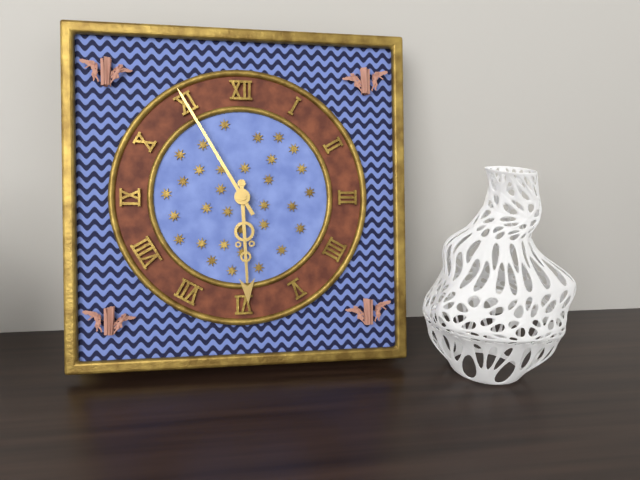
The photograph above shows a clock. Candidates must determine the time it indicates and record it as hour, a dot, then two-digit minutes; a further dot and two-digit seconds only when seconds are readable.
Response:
5.55
